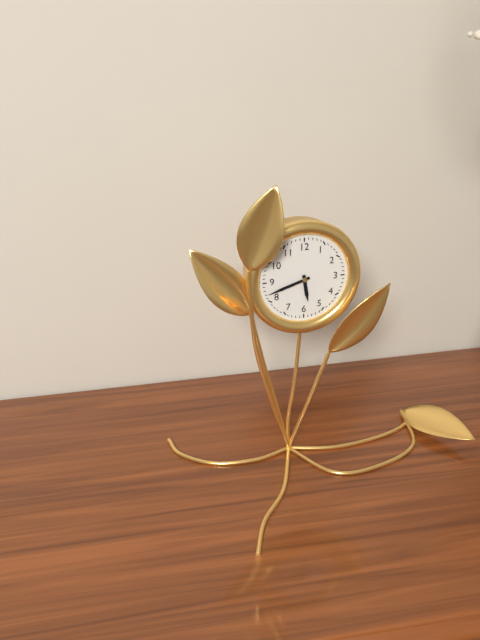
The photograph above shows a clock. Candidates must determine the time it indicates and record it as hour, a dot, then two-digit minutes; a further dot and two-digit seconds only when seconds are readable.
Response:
5.42
